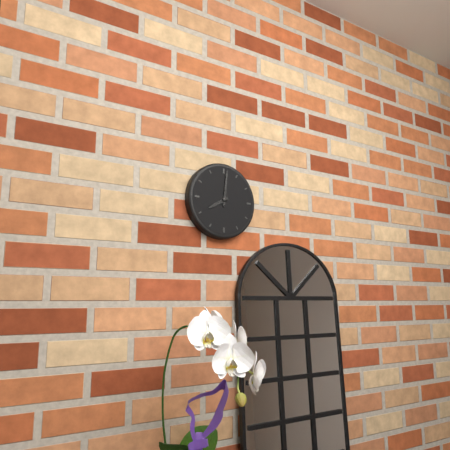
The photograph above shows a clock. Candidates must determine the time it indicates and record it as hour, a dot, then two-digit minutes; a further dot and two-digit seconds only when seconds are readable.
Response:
8.01
